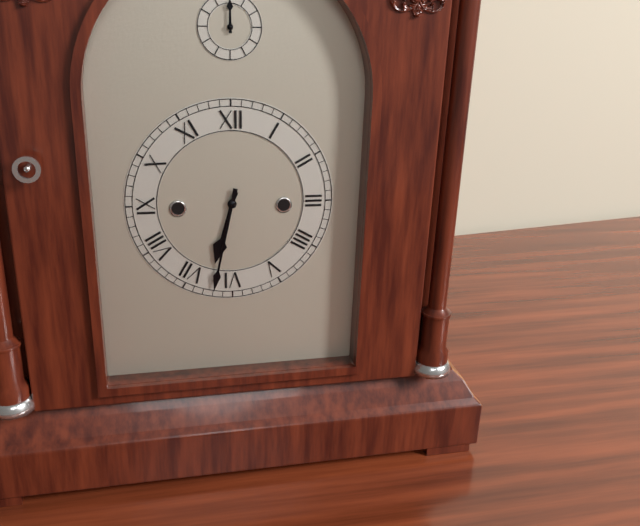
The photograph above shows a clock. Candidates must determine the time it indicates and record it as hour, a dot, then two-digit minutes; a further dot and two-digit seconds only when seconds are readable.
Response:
6.32
